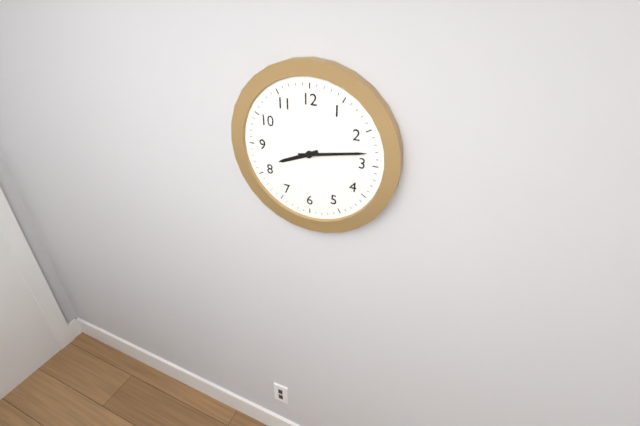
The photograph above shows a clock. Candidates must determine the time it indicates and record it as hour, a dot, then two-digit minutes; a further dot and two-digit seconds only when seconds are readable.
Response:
8.13
